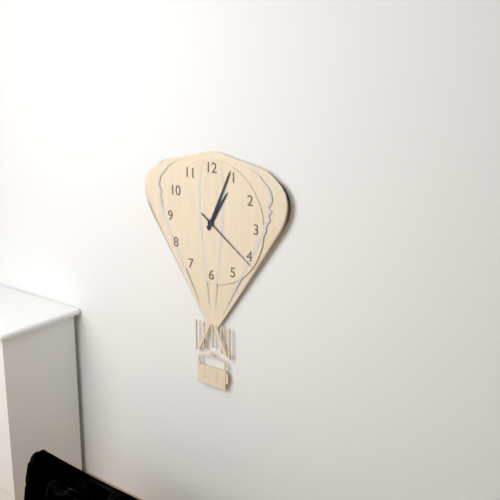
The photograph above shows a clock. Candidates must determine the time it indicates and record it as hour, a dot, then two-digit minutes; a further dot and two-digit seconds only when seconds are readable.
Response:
1.04.21
